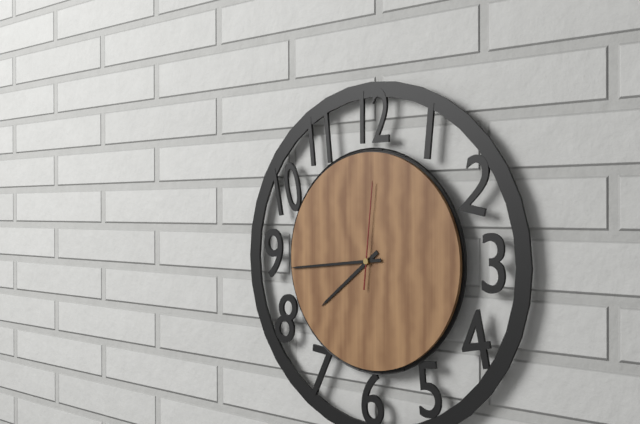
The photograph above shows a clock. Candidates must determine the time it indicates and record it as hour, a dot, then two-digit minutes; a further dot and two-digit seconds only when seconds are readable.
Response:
7.44.01
